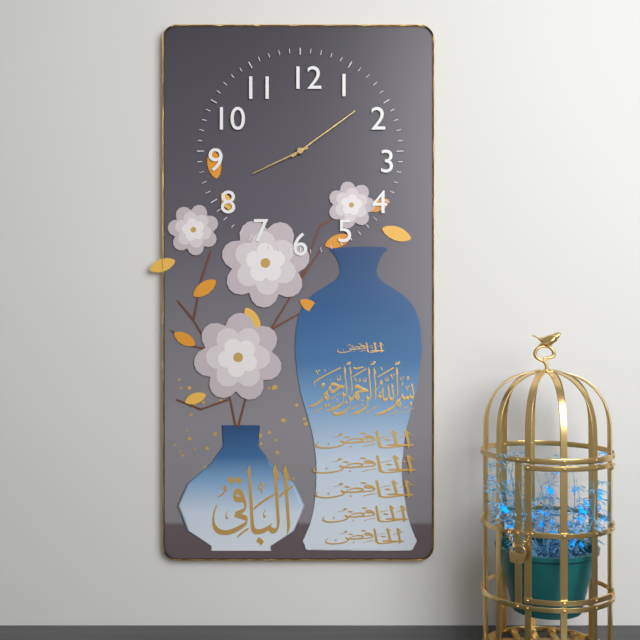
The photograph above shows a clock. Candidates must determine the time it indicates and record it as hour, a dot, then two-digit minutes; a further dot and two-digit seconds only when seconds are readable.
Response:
8.09
